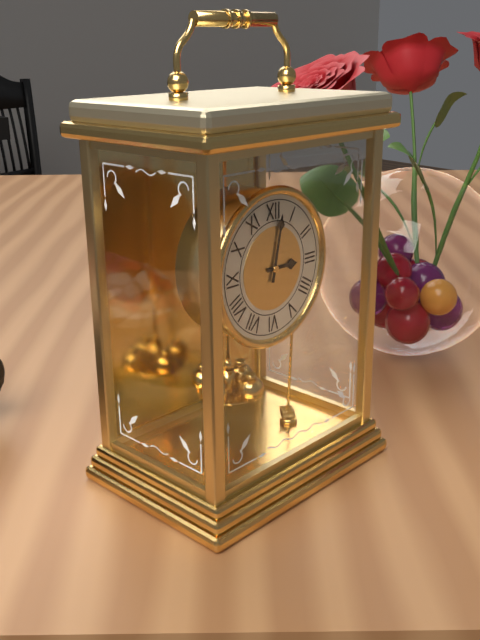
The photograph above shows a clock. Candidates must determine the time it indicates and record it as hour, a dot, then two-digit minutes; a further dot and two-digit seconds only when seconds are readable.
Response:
3.02
